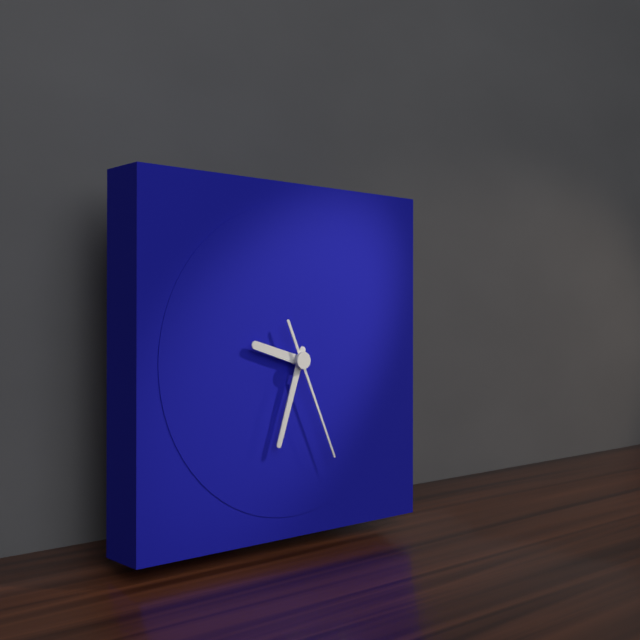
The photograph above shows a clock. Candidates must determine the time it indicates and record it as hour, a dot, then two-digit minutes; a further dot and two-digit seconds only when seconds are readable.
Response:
9.33.26
